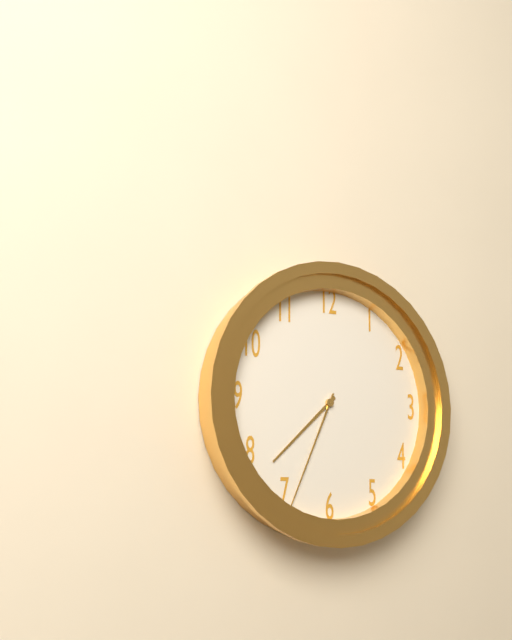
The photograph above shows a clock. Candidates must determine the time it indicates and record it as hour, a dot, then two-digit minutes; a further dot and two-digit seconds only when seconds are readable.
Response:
7.34
